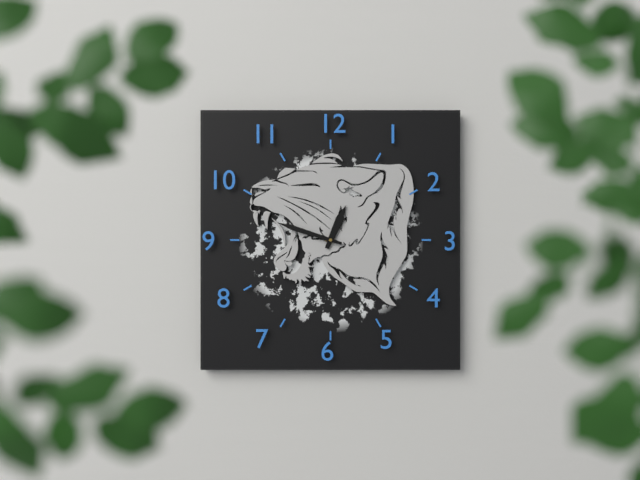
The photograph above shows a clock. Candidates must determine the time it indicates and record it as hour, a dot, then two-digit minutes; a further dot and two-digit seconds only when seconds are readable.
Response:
12.48
